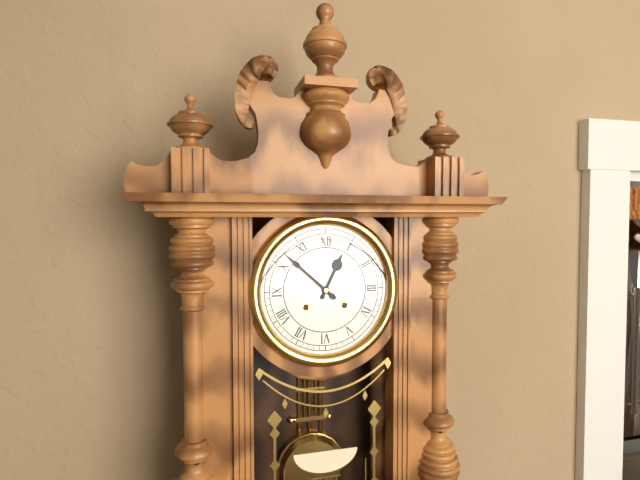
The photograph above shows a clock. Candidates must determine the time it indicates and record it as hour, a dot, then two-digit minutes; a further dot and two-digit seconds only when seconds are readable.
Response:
12.52
